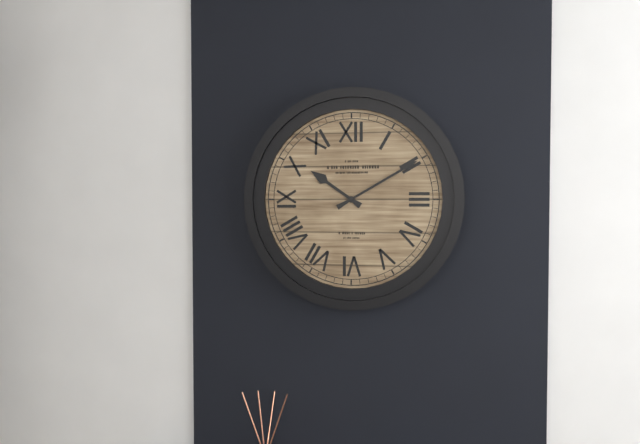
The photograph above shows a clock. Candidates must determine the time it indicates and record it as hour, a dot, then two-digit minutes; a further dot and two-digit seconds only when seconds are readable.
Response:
10.10
